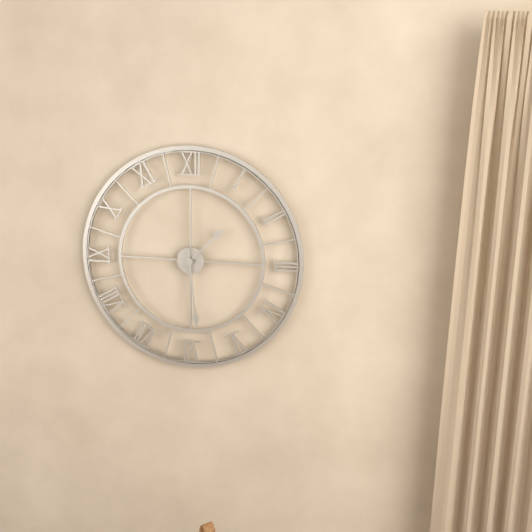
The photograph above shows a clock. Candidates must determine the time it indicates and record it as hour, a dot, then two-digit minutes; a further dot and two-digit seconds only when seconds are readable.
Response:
1.29
